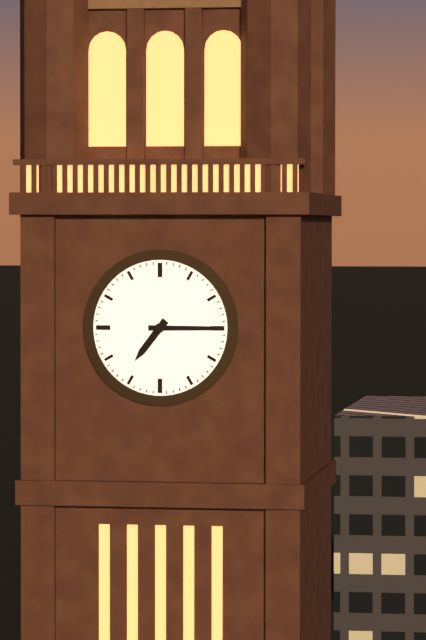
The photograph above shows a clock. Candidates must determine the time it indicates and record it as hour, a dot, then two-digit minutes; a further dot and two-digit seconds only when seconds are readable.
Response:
7.15
